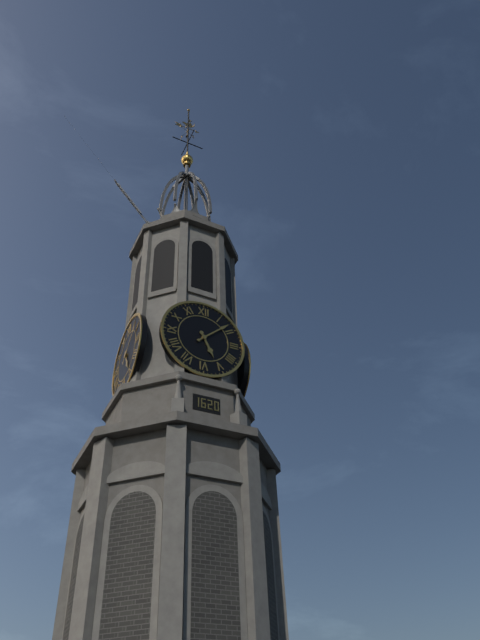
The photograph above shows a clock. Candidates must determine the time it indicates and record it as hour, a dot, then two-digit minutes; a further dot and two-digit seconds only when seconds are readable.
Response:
5.08
